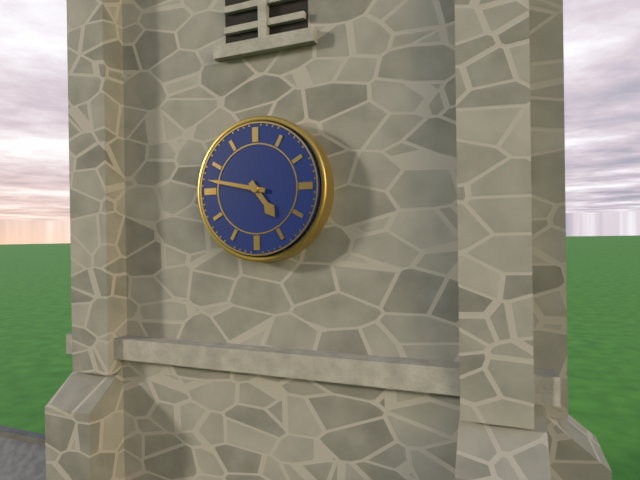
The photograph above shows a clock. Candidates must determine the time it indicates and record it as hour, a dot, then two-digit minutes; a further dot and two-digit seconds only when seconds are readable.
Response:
4.47
